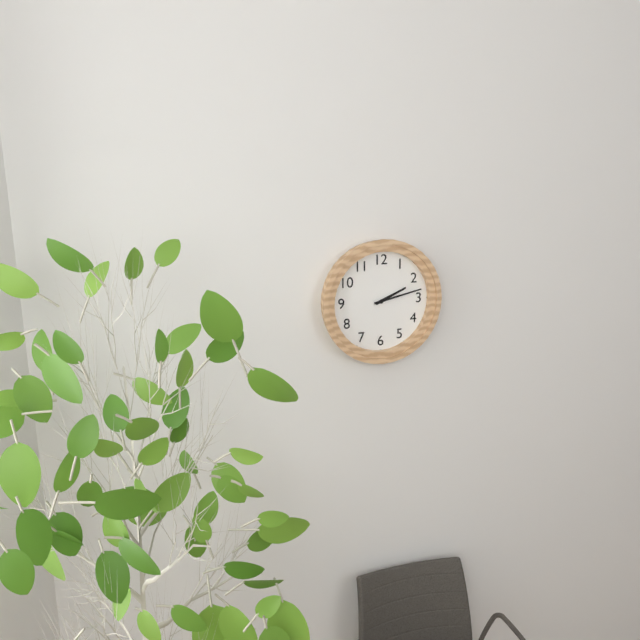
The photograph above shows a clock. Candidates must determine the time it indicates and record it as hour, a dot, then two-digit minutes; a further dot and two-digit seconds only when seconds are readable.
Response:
2.13
